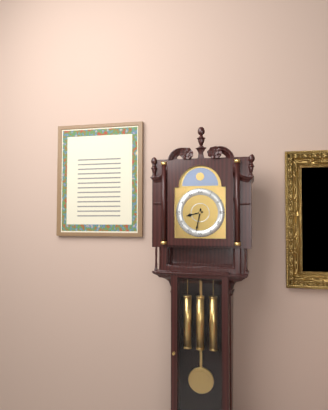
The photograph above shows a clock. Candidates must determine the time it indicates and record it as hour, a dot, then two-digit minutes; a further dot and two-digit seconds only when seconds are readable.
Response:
8.32
